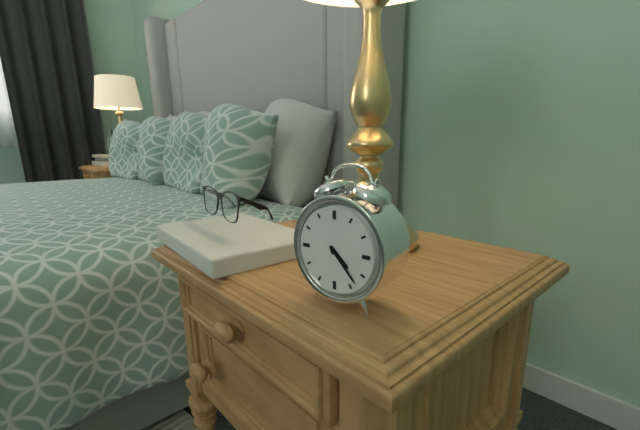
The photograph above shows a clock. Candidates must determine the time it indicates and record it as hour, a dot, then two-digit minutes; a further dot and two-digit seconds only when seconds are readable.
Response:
4.23
